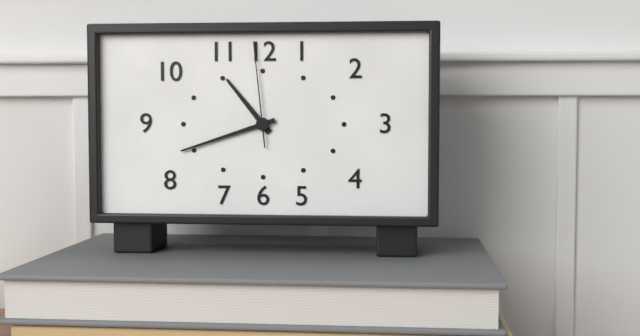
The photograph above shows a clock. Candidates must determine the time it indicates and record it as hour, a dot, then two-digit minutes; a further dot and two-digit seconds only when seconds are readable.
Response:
10.42.59
